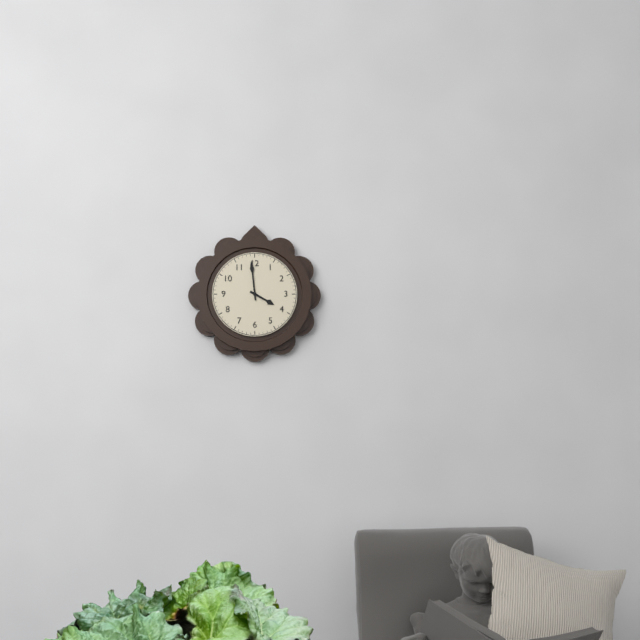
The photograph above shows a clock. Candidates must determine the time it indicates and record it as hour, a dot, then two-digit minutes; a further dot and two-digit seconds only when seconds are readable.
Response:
3.59
